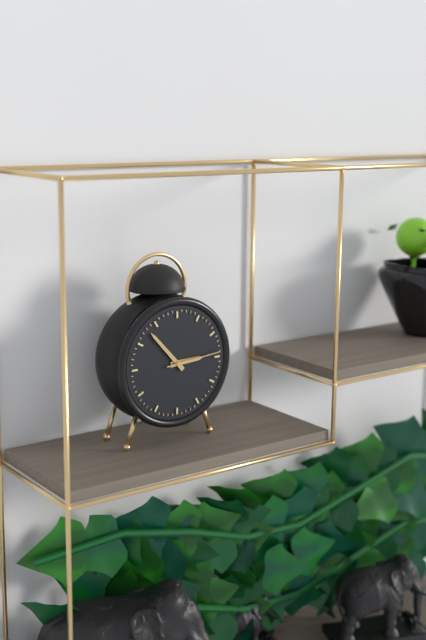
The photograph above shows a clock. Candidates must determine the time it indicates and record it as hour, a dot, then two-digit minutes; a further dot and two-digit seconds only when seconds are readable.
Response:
2.53.14
